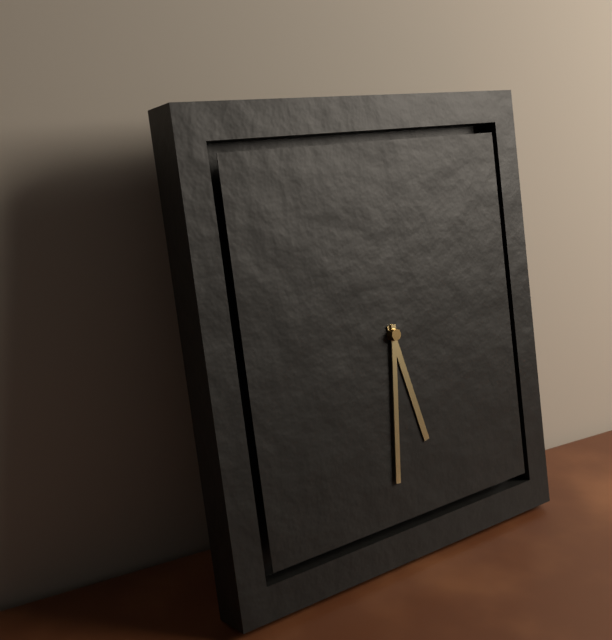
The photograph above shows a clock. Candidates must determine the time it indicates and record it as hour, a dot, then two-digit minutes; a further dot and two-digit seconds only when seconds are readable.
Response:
5.31
